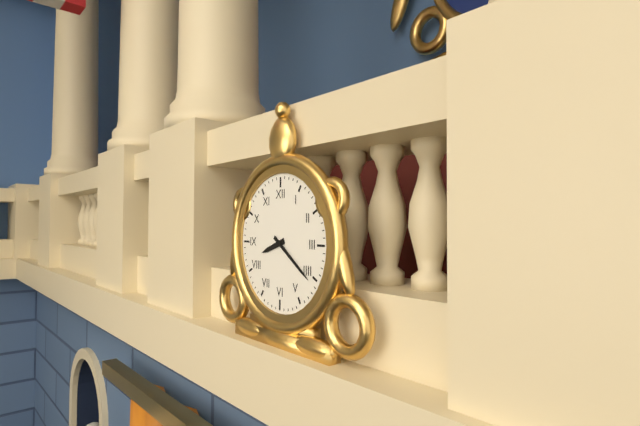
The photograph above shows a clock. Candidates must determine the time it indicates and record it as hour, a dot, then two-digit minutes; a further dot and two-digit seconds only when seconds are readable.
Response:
8.21
